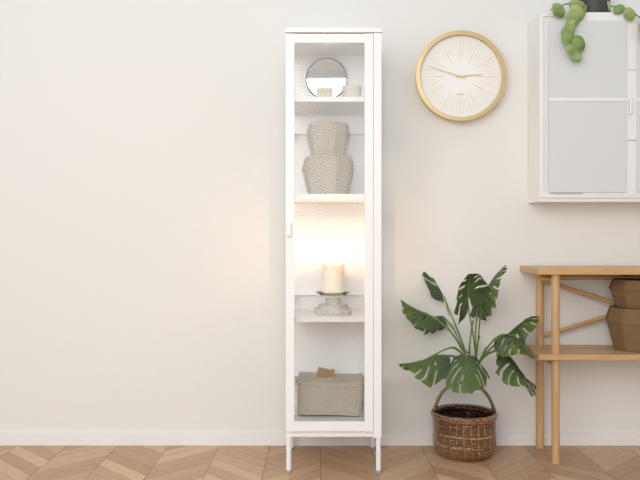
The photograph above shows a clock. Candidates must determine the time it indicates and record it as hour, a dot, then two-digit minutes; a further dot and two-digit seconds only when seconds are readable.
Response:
2.48
